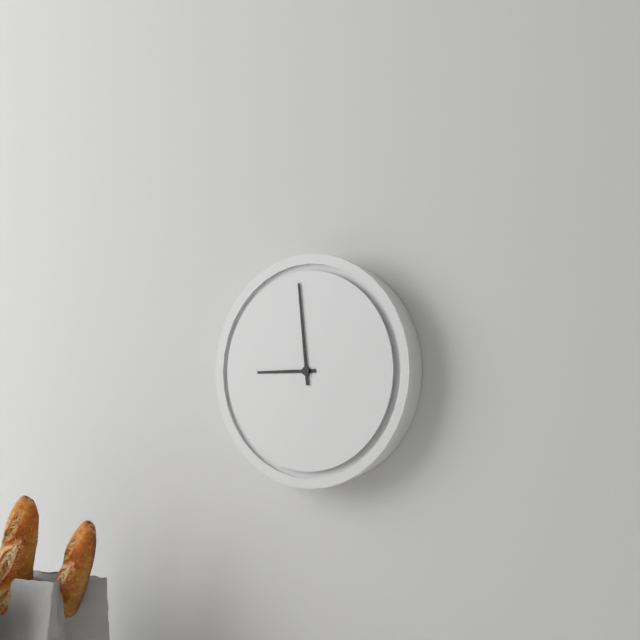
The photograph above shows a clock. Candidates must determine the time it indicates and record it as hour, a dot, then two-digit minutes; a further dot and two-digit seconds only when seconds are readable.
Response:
8.59
